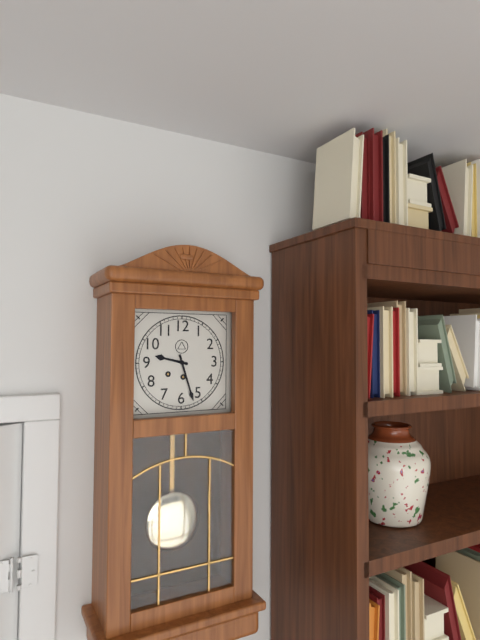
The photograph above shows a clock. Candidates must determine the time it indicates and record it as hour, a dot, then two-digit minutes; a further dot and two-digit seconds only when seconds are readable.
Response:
9.27
